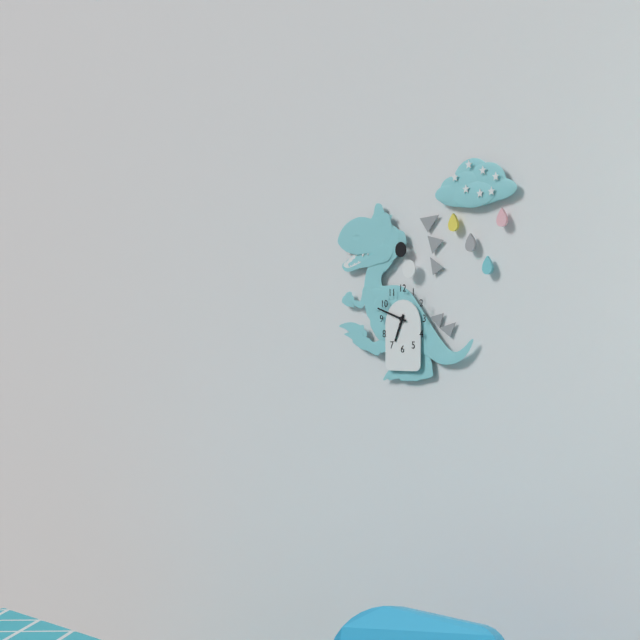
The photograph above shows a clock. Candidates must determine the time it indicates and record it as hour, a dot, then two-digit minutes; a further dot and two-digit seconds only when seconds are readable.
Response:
6.48
